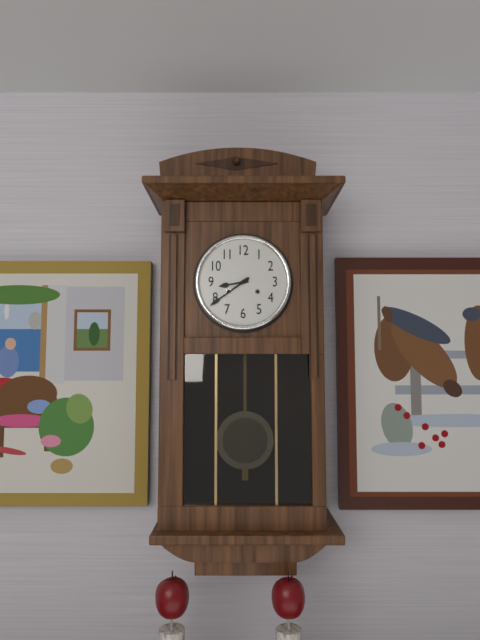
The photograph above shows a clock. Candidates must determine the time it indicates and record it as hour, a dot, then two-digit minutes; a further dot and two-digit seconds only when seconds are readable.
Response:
8.39
